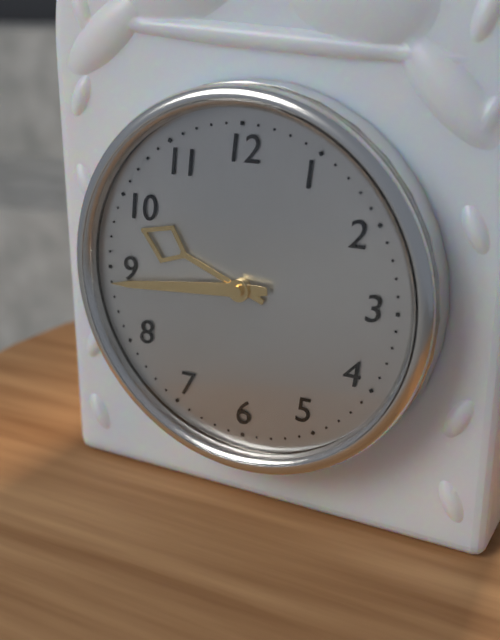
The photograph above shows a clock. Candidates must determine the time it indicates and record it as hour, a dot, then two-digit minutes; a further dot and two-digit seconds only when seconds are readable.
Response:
9.44
